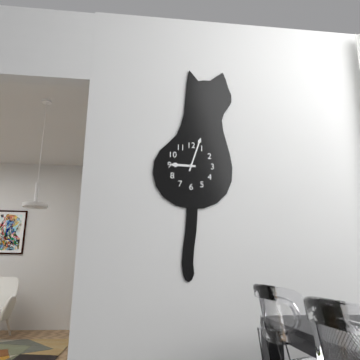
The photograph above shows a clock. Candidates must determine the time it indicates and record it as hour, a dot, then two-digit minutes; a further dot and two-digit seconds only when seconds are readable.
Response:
9.03
